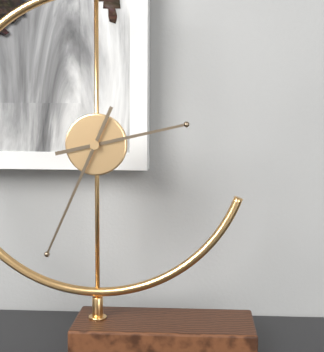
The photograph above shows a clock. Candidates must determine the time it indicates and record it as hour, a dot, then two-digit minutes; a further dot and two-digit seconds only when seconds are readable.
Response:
2.34
